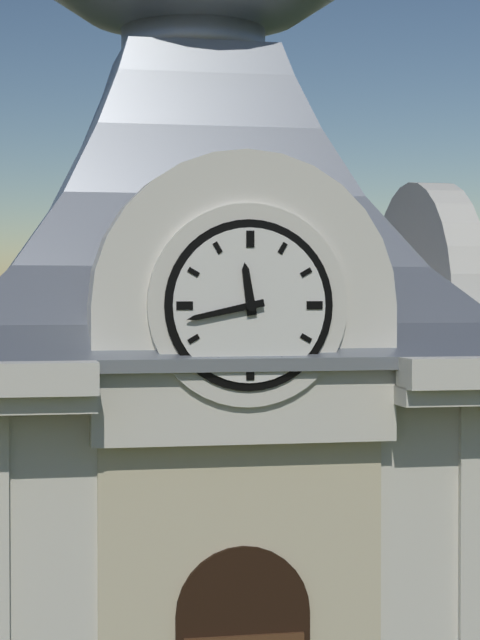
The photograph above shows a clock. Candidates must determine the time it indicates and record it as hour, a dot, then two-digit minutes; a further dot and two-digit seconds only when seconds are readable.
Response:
11.43
